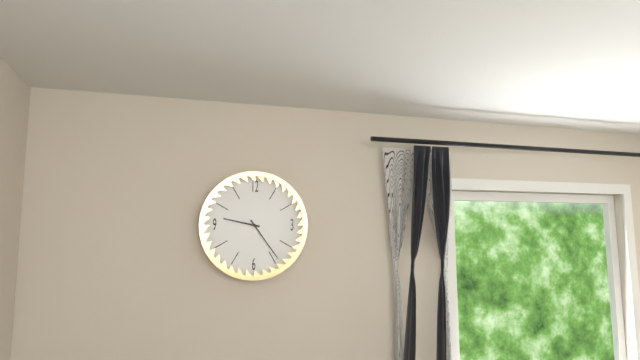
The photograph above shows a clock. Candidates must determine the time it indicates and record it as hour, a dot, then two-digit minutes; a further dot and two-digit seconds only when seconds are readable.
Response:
9.24
